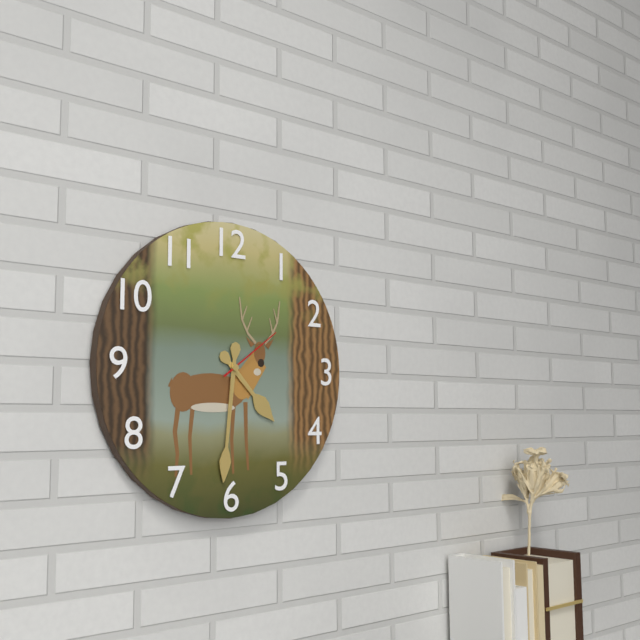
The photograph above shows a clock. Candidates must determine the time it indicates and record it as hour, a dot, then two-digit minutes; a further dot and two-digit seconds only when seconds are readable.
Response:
4.31.09
